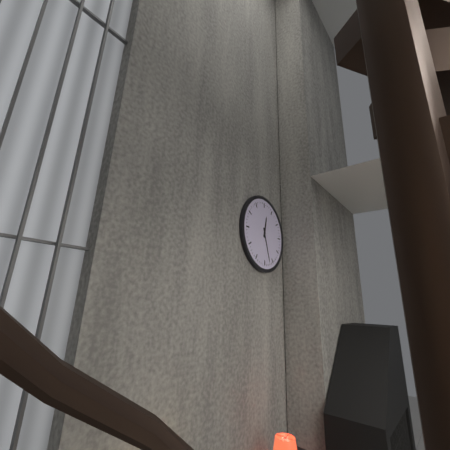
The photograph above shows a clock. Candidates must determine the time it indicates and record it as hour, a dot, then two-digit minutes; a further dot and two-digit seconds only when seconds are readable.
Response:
12.27
